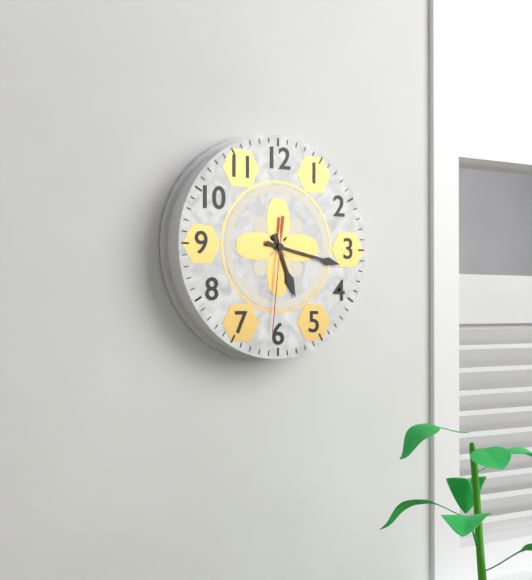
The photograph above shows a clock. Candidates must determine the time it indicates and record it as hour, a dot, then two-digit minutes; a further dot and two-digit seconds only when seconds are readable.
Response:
5.17.31
